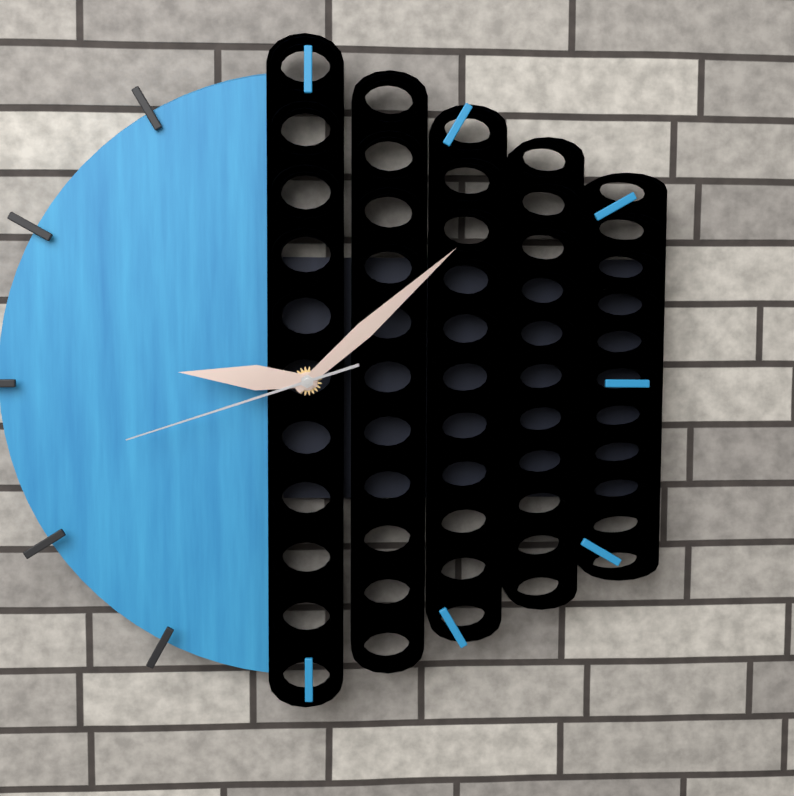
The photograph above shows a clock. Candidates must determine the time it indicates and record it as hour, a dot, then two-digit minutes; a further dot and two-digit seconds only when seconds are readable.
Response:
9.08.42
